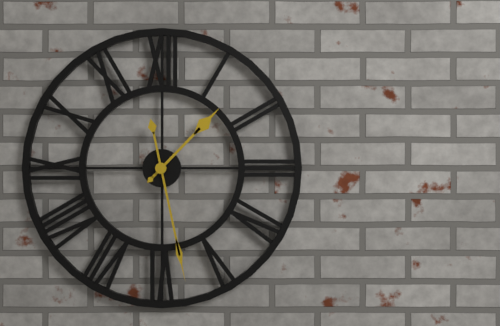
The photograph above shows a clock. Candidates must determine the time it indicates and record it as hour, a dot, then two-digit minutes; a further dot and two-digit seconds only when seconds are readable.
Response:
1.28
